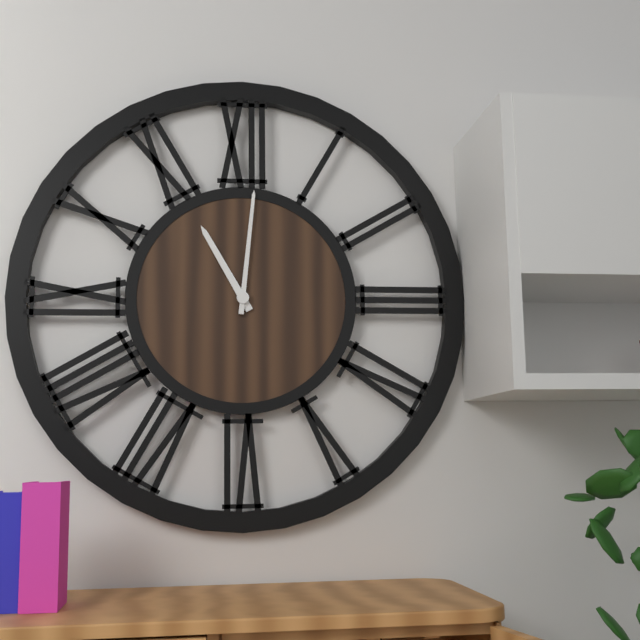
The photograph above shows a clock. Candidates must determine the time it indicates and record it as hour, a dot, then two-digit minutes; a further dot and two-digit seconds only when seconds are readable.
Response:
11.01
